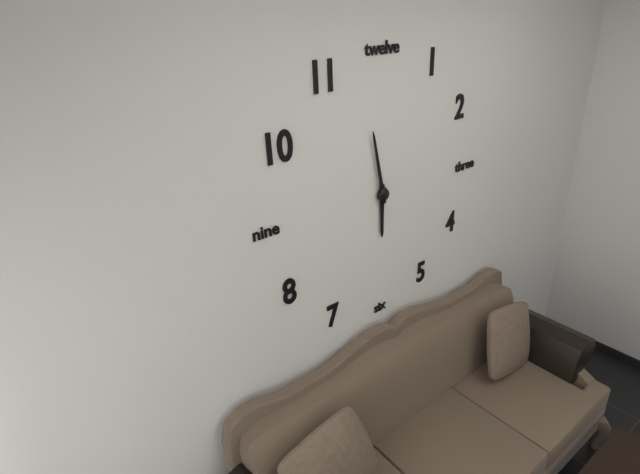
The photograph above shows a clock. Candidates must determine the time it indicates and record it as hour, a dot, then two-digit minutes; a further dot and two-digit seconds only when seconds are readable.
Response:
5.58
